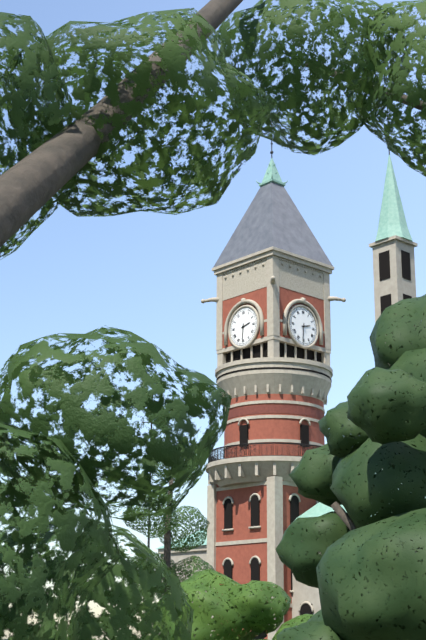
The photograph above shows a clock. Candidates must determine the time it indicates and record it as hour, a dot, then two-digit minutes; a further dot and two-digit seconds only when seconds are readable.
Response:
2.31
